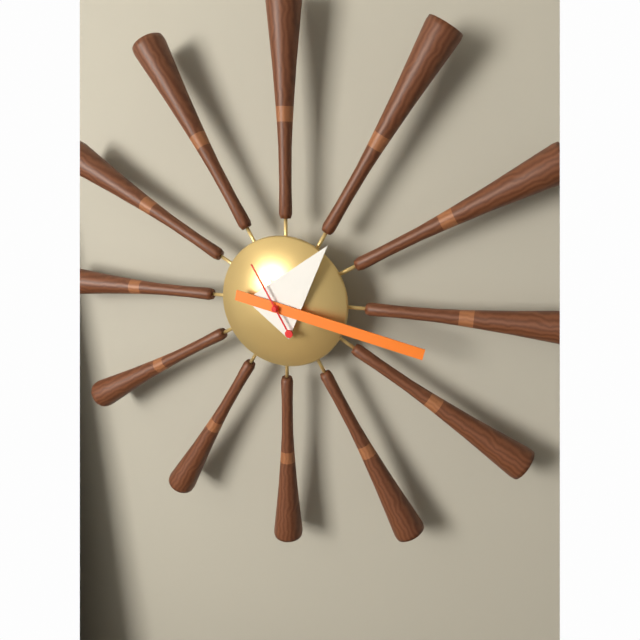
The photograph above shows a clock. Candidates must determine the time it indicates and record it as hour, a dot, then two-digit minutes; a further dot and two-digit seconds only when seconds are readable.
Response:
1.17.55
